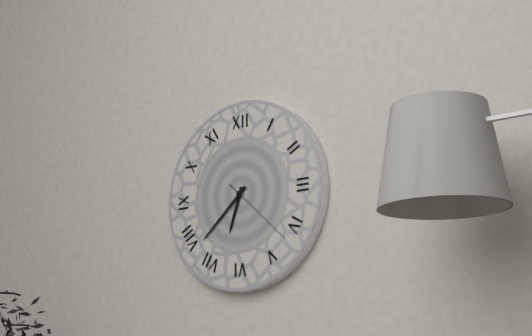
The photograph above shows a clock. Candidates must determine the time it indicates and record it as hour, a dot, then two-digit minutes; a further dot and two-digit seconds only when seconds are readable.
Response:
6.38.22
